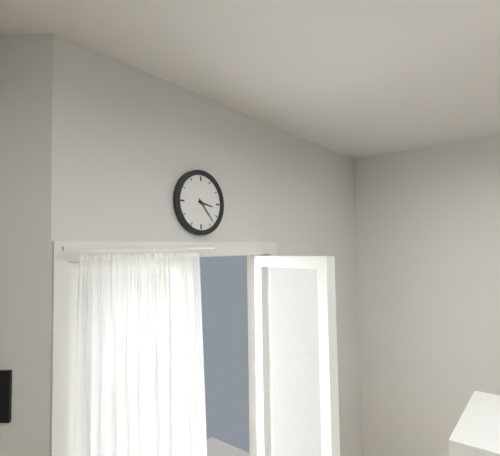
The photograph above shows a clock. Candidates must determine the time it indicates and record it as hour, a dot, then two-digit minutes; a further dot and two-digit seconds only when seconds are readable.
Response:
3.23
